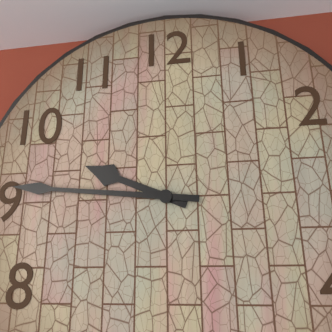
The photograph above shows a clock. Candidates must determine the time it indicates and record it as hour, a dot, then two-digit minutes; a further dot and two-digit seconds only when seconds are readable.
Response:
9.46
